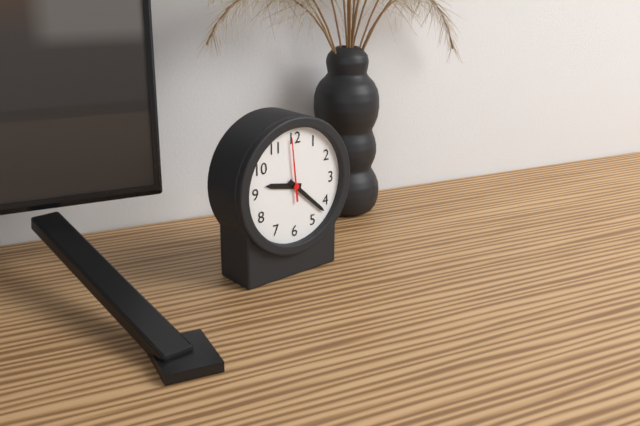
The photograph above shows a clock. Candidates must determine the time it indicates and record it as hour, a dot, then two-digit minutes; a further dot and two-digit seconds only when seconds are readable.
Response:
9.22.59
